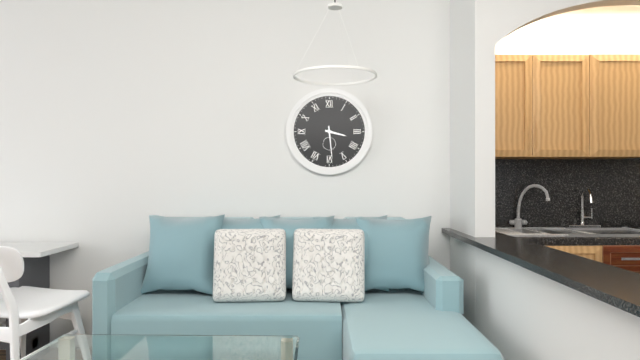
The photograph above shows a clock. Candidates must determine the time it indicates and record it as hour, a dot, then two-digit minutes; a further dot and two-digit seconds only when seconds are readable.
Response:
3.29
